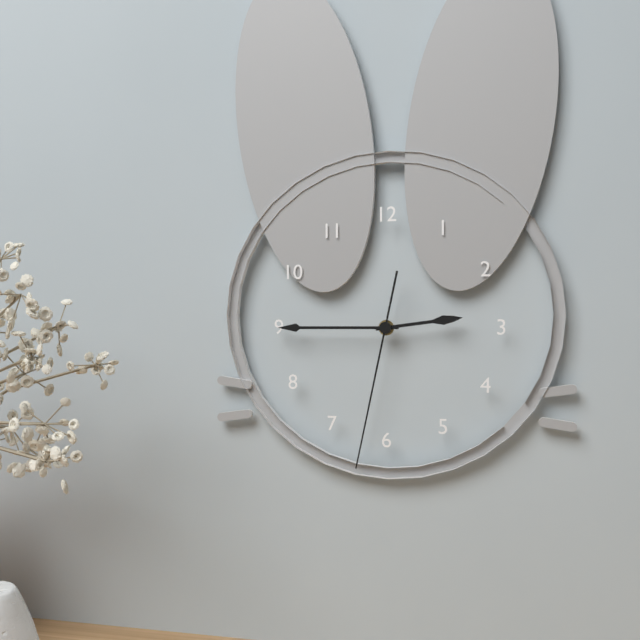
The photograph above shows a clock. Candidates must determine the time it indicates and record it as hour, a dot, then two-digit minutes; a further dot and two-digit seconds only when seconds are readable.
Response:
2.45.32
